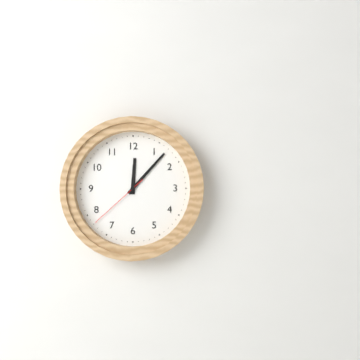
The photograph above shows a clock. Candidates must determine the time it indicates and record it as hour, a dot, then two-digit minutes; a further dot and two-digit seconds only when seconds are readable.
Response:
12.07.38
